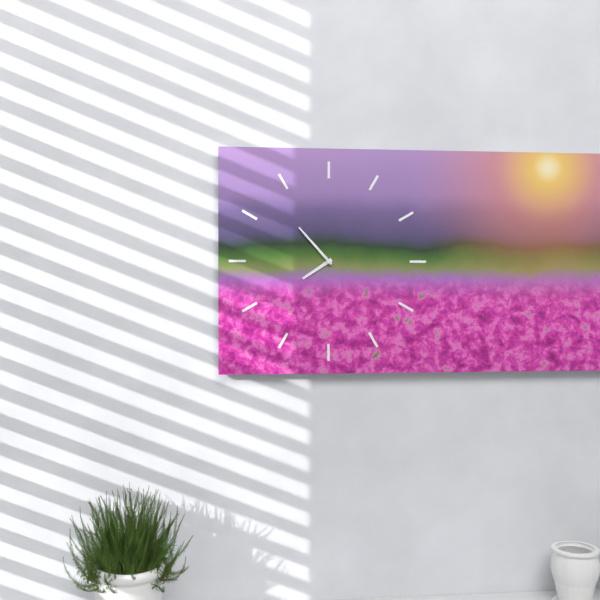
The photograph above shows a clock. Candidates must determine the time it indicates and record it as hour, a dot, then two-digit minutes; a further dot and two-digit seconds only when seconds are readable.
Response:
7.53
